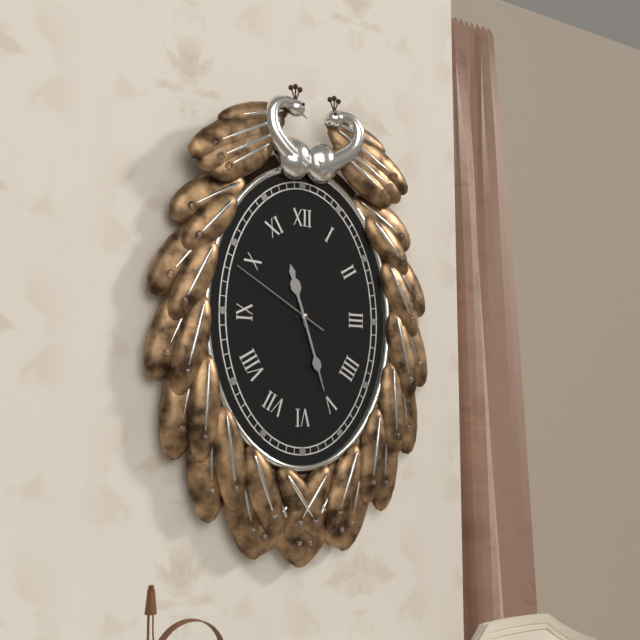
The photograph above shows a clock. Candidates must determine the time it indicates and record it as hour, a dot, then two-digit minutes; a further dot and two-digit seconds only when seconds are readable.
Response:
11.27.50
